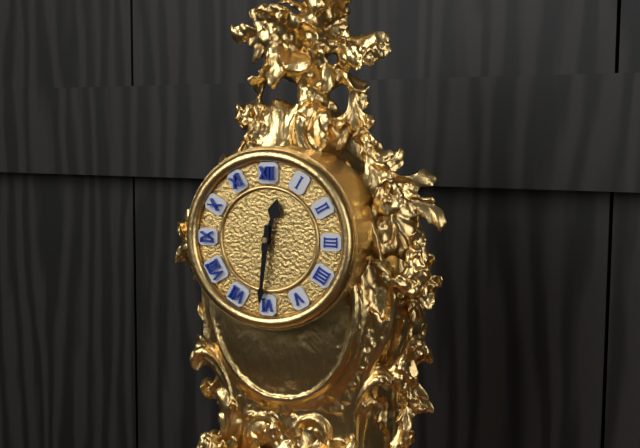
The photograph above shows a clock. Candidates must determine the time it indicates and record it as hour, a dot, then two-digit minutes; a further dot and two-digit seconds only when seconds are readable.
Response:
12.31
